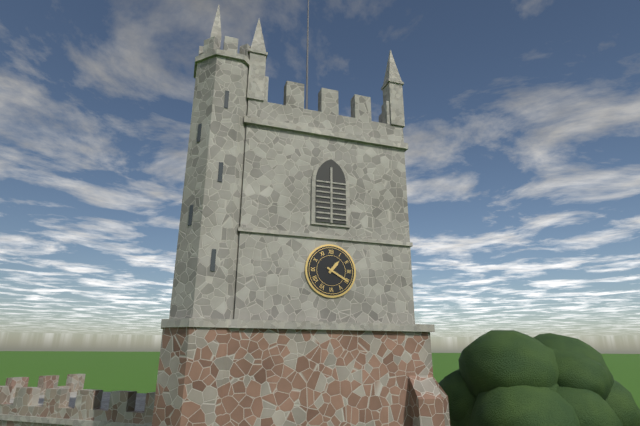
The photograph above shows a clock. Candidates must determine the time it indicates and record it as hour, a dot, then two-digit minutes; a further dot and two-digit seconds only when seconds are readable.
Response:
1.20
